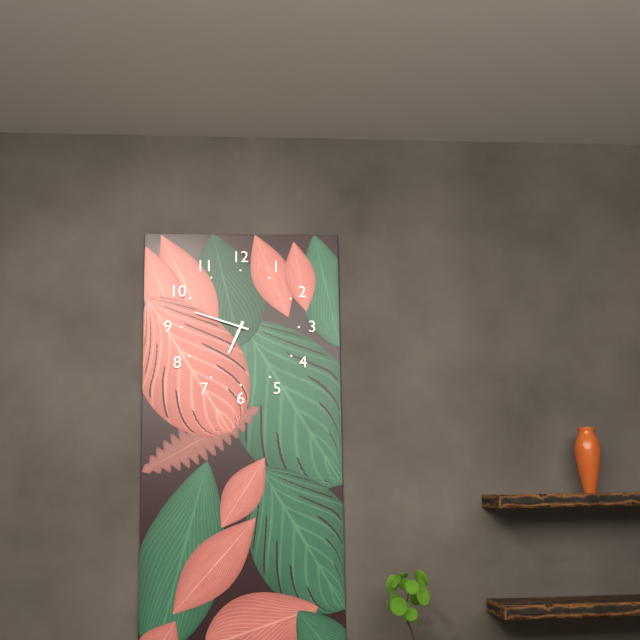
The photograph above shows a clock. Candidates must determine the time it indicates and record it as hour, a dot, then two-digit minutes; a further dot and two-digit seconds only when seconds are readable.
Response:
6.48
